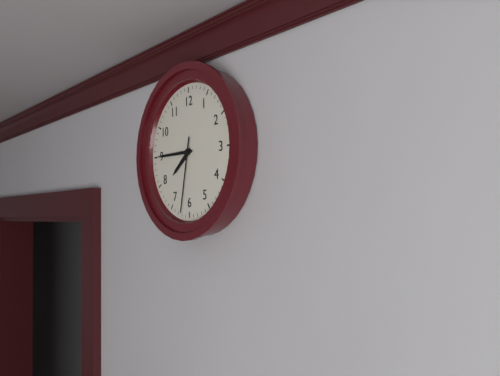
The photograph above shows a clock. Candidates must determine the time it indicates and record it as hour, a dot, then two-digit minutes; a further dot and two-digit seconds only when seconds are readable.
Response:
7.45.32
